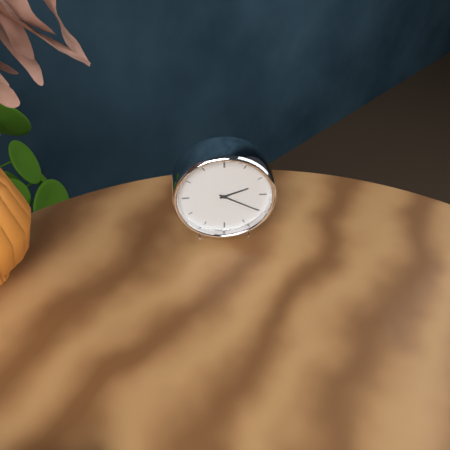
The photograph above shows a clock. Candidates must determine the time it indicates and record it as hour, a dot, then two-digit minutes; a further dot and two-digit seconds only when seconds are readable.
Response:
2.20
